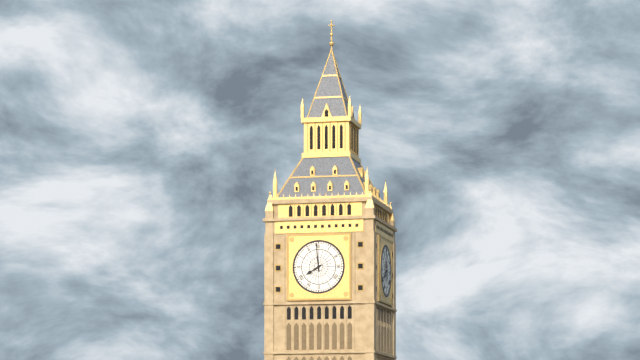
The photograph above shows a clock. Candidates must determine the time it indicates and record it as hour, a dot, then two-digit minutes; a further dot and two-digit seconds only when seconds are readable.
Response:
7.59
